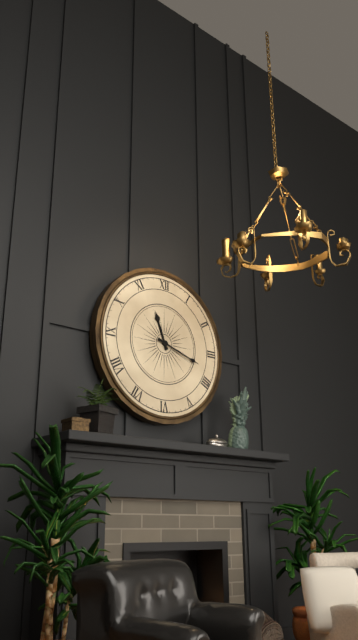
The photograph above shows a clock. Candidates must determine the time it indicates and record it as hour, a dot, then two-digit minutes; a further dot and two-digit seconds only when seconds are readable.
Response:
11.18
